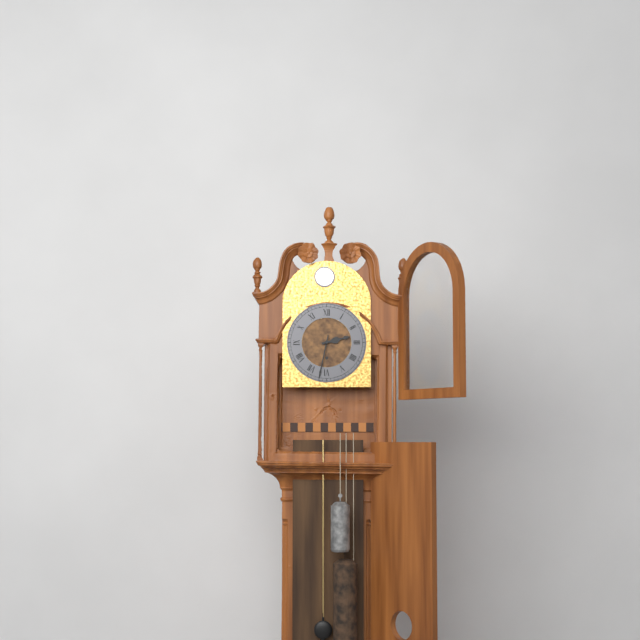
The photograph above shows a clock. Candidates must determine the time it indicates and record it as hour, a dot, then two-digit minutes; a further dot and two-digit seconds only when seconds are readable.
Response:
2.32
